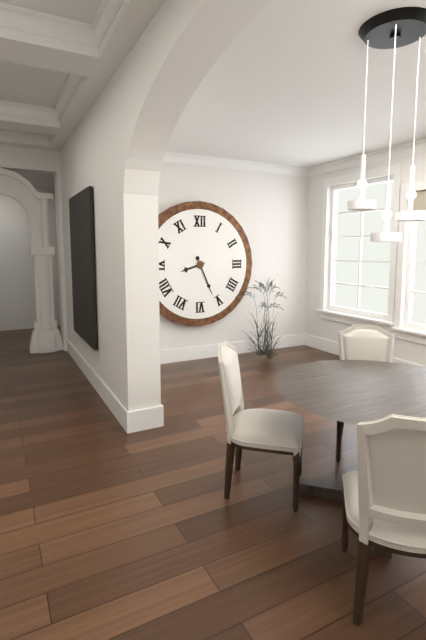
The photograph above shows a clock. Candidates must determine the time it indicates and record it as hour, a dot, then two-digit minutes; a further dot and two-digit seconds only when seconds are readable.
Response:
8.26
